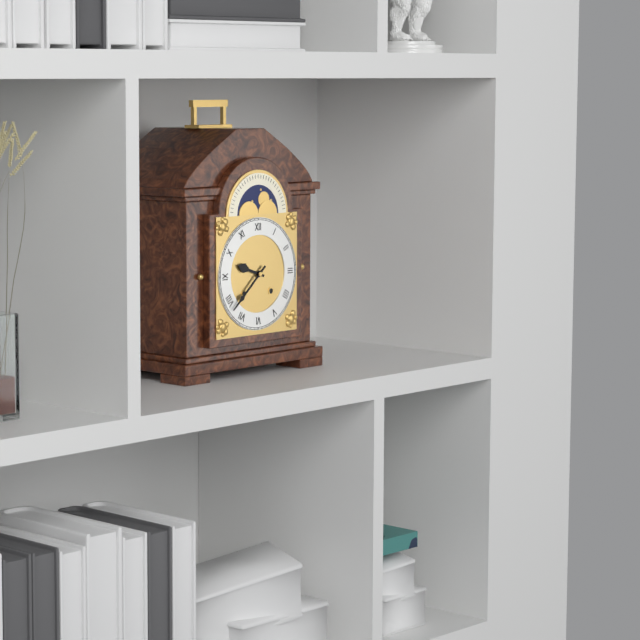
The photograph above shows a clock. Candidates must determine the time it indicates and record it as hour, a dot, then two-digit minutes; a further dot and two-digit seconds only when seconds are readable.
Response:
9.38
